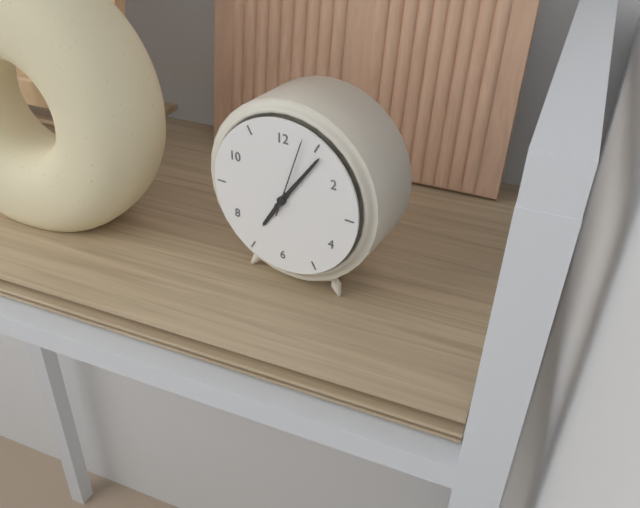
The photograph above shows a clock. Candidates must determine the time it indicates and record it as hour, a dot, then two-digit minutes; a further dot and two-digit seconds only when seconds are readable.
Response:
7.06.03
